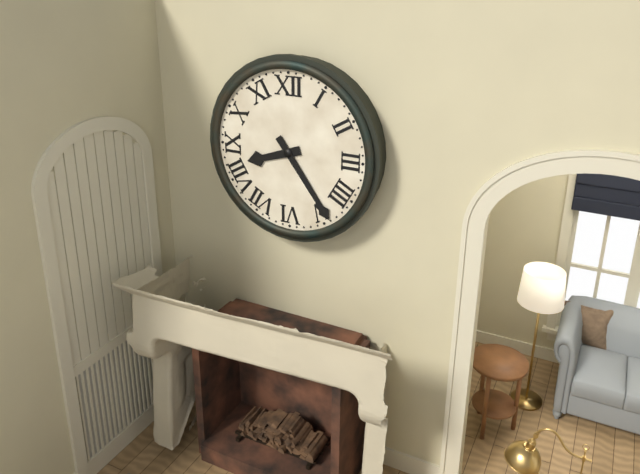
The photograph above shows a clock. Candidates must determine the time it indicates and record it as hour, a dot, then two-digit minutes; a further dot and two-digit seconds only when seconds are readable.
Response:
8.24
